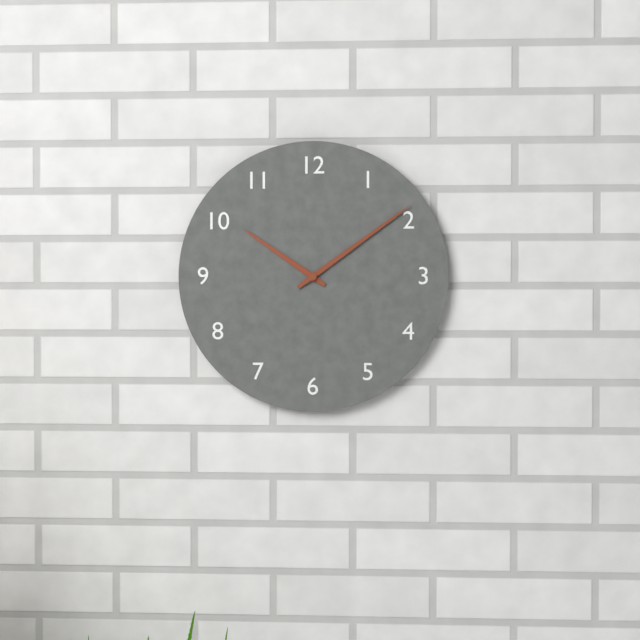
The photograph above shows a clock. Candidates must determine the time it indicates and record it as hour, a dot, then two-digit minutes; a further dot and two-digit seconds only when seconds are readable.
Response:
10.09
